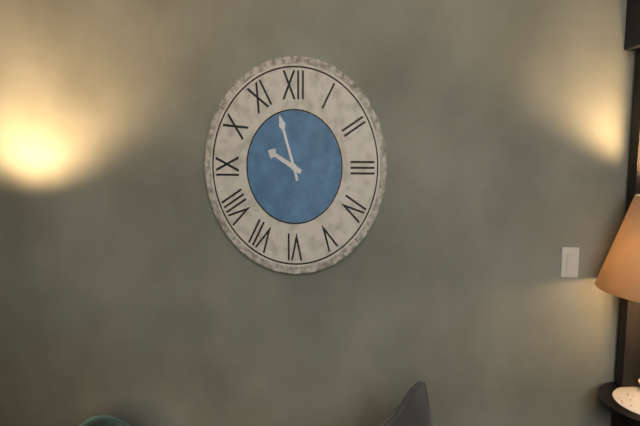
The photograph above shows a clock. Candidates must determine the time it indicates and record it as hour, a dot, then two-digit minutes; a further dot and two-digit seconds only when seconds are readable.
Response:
9.57
